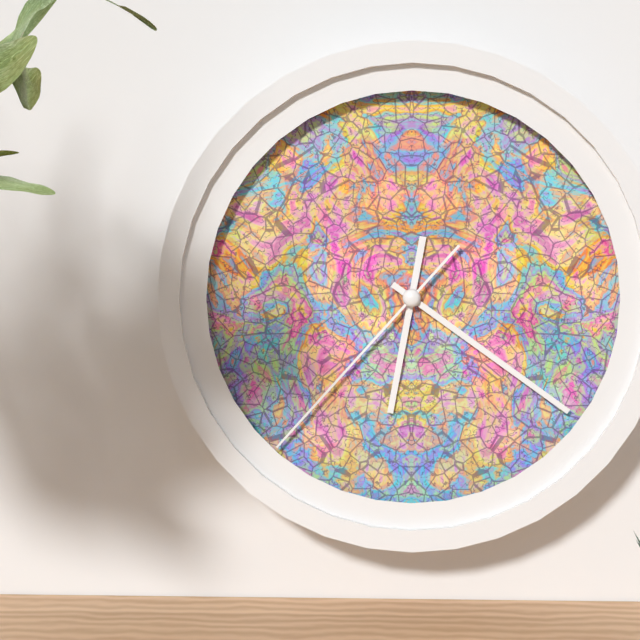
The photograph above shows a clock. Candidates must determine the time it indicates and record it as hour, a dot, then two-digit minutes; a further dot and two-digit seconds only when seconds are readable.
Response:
6.21.37
